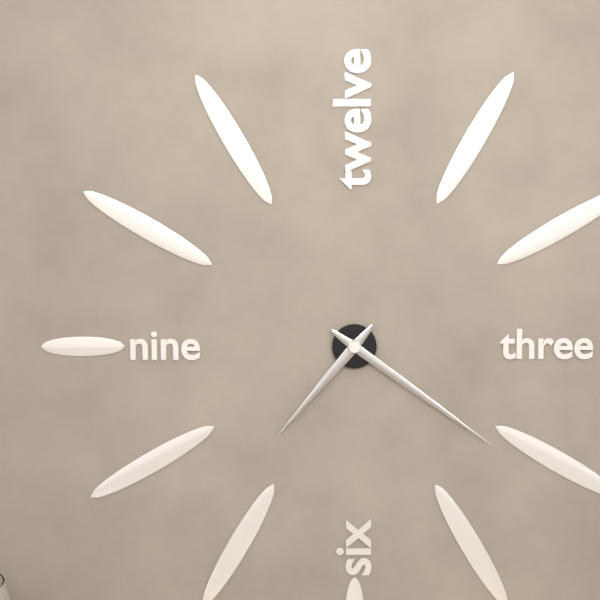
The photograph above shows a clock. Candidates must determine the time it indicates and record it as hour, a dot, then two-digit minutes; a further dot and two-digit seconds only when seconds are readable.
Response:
7.21
